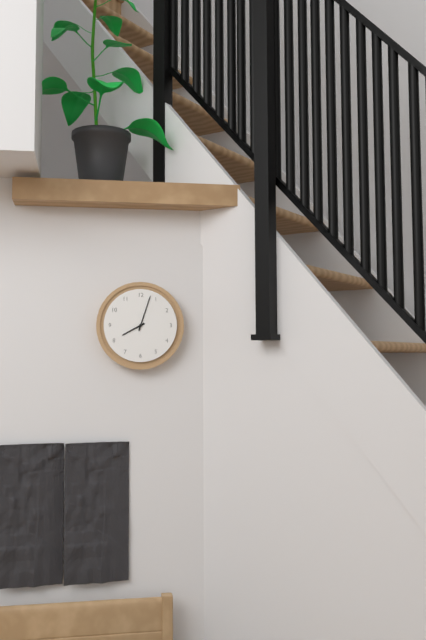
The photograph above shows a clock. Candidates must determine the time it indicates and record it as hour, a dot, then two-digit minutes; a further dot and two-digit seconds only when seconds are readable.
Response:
8.03
